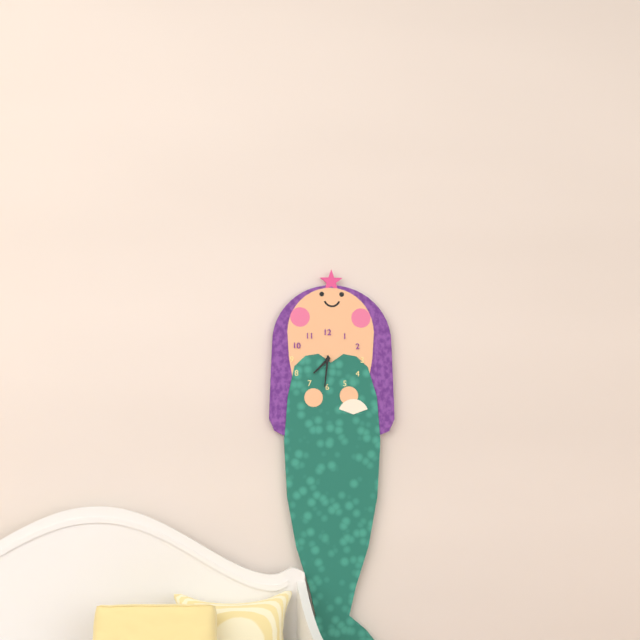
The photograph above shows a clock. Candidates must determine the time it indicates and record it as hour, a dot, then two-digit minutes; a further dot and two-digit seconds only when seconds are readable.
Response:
7.31
